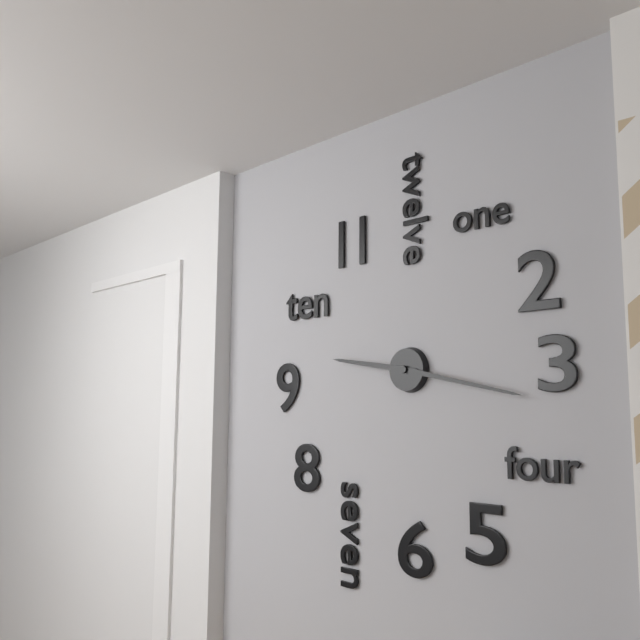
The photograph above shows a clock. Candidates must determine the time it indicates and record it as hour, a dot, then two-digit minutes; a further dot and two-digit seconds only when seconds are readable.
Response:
9.17
